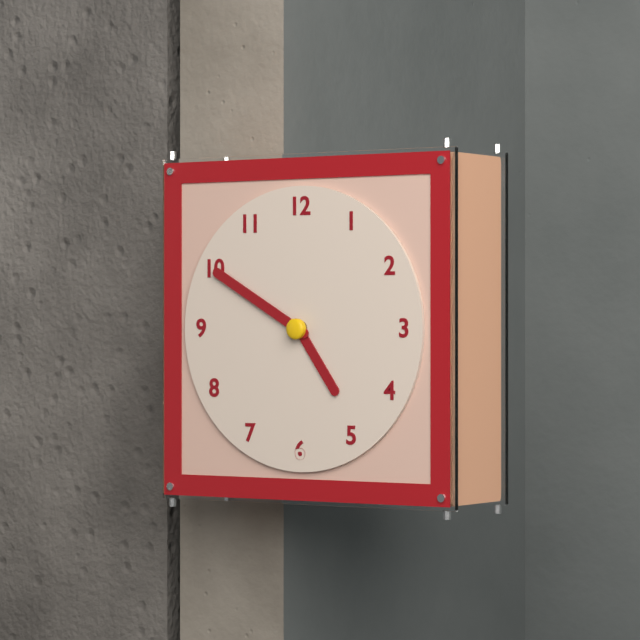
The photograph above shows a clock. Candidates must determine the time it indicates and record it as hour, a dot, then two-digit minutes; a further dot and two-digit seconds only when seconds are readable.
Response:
4.50
